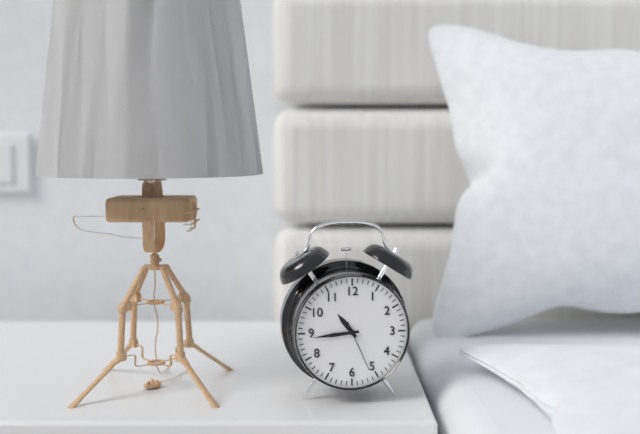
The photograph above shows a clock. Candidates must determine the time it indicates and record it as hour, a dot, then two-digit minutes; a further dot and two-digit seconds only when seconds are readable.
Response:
10.44.26
